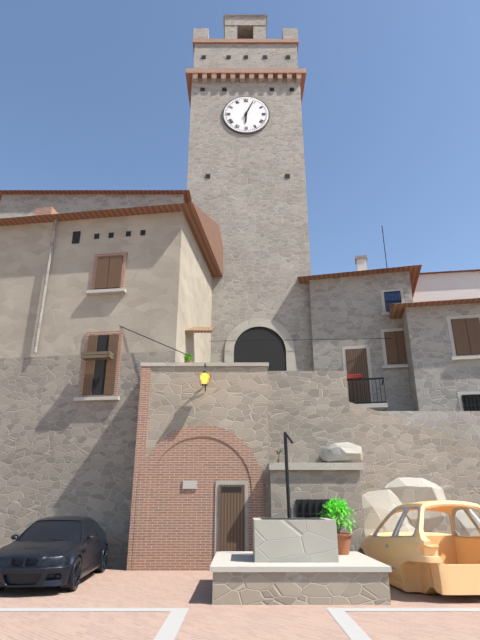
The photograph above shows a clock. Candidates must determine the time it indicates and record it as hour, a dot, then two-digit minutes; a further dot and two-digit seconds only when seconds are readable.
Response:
6.04
